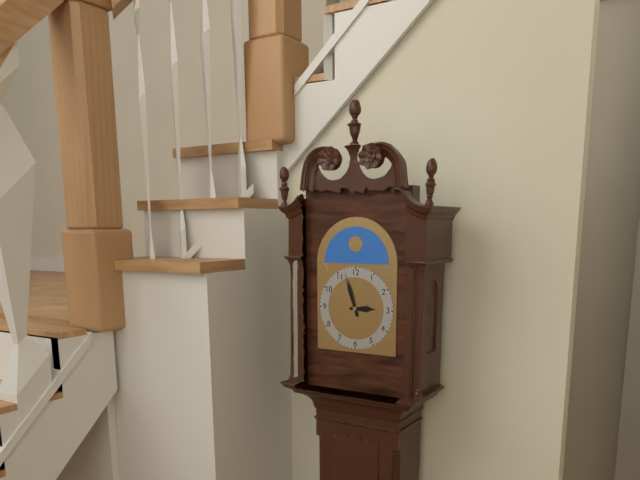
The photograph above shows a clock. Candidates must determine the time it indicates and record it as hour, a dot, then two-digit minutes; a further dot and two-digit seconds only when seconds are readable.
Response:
2.57
